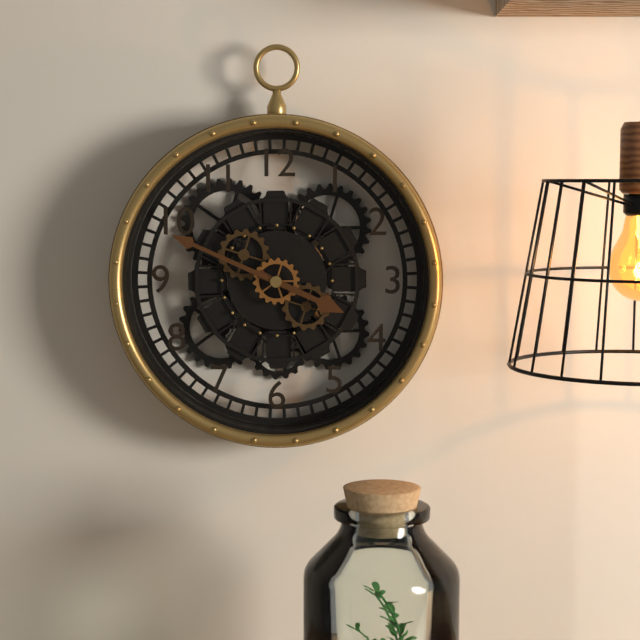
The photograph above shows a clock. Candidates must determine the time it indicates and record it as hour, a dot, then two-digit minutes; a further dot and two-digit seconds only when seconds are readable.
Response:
3.49
